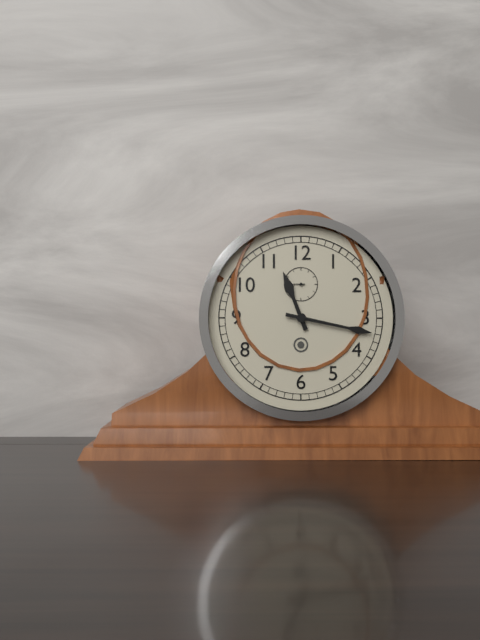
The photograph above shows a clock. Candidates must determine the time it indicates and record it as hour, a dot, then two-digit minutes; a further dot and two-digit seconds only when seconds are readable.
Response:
11.17
